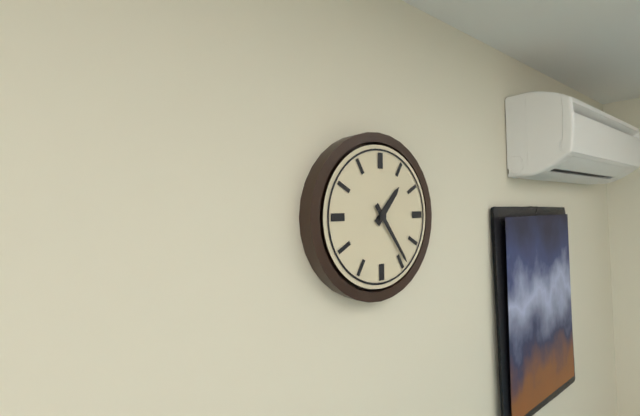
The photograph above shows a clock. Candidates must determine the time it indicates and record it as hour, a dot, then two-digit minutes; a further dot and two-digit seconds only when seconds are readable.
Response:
1.24
